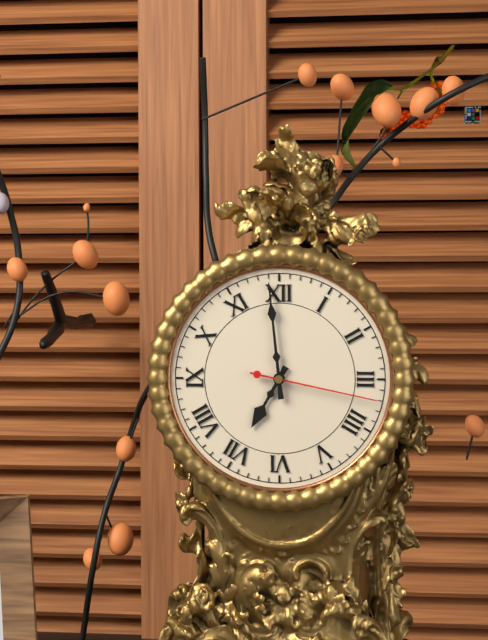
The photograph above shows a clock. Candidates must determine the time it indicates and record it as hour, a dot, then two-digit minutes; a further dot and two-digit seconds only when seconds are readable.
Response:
6.59.17
